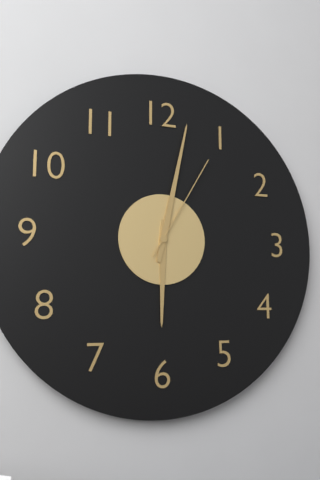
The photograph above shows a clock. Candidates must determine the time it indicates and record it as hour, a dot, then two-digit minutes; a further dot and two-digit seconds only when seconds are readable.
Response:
6.02.05
